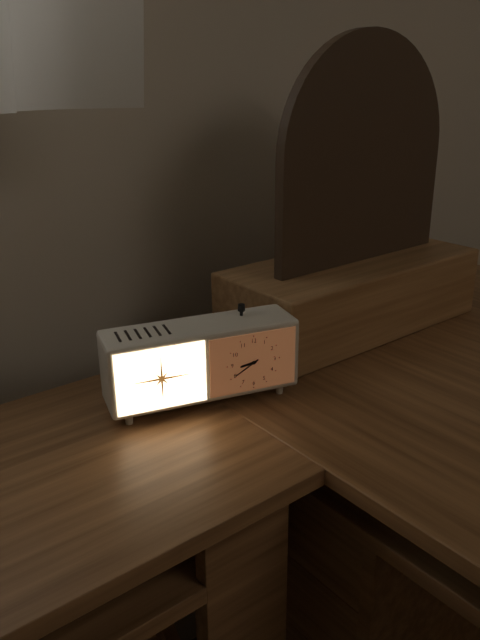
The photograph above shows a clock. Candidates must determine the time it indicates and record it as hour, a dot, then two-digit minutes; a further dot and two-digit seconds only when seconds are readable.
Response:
8.40
